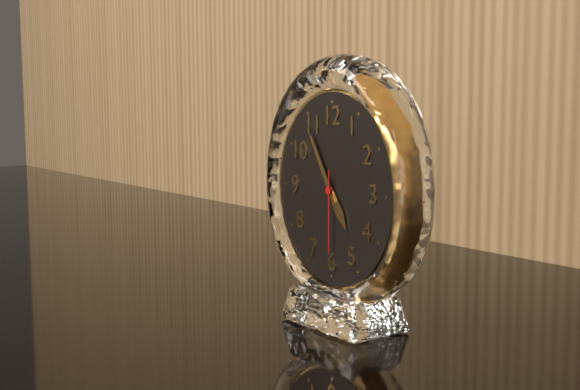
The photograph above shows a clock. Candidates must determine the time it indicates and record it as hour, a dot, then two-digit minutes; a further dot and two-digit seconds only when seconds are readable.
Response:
4.55.30
